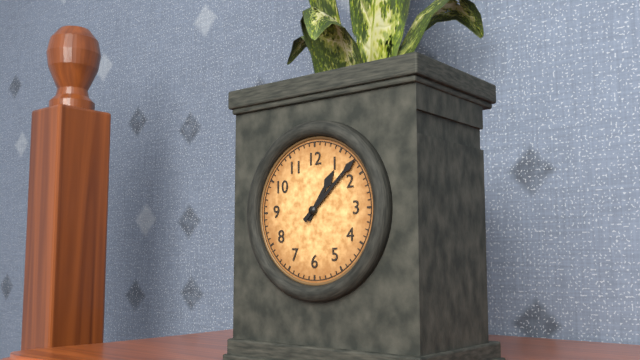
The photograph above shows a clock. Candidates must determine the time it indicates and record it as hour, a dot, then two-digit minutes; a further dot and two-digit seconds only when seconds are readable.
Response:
1.08
